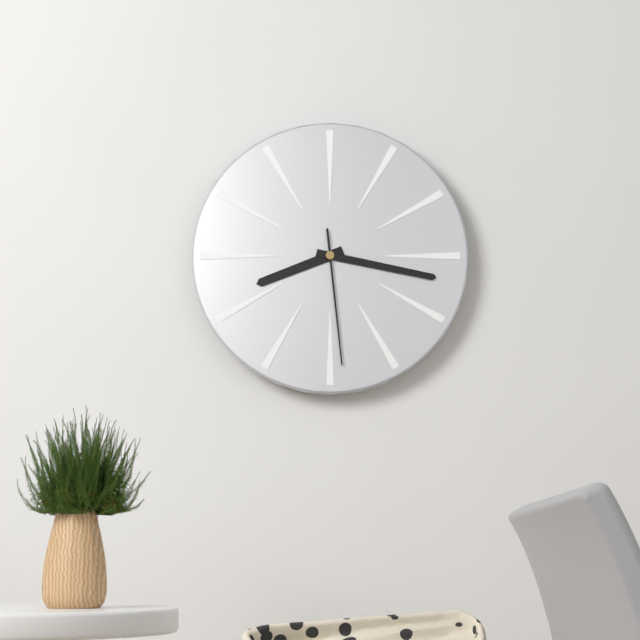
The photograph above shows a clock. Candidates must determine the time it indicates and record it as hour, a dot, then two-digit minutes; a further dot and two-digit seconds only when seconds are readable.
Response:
8.17.29
